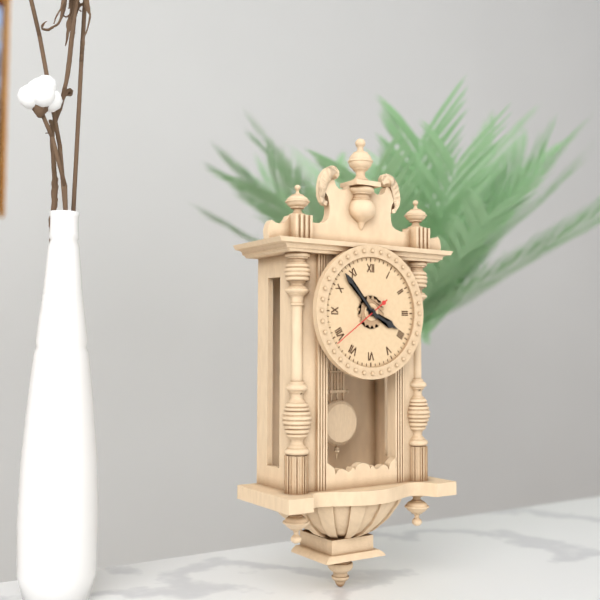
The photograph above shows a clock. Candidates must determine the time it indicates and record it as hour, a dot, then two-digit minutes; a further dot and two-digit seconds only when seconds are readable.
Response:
3.53.39
